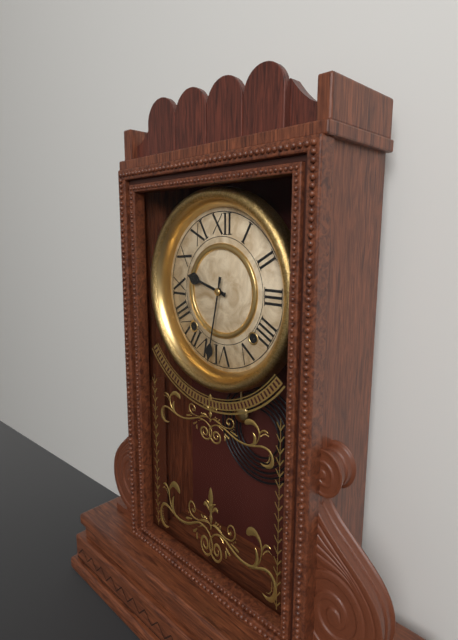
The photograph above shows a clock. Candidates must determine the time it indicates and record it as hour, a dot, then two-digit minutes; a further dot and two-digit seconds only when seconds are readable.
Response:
9.32
